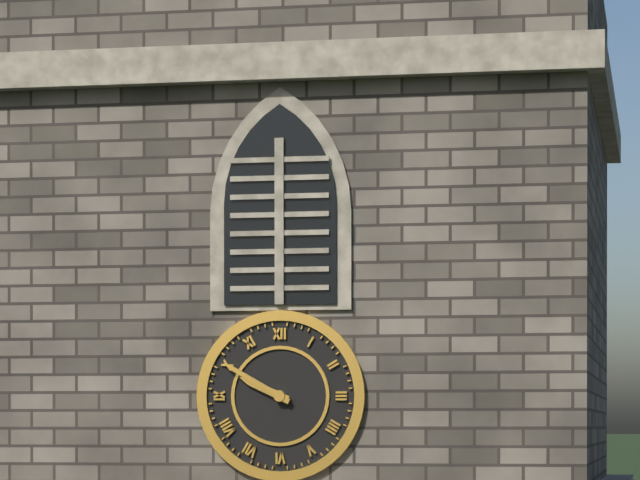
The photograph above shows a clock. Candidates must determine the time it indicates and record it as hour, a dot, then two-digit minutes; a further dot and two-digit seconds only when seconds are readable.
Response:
9.50
